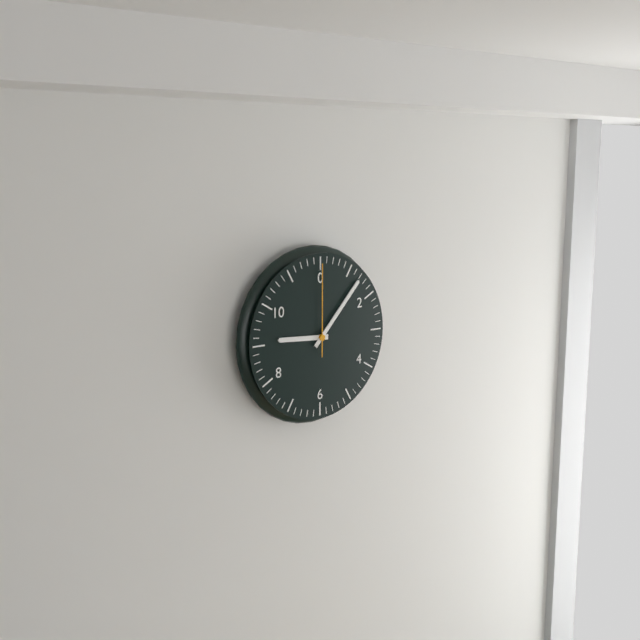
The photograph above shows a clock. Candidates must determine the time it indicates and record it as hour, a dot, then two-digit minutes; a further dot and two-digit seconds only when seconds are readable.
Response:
9.07.00
